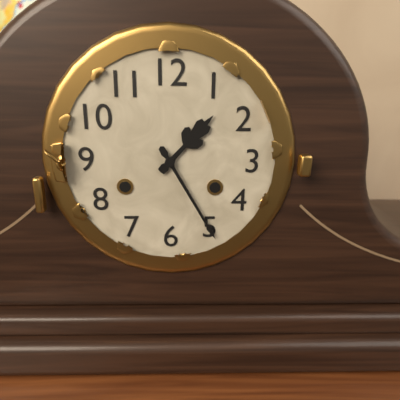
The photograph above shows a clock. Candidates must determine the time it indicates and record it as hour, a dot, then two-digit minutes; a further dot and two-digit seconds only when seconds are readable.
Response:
1.25
